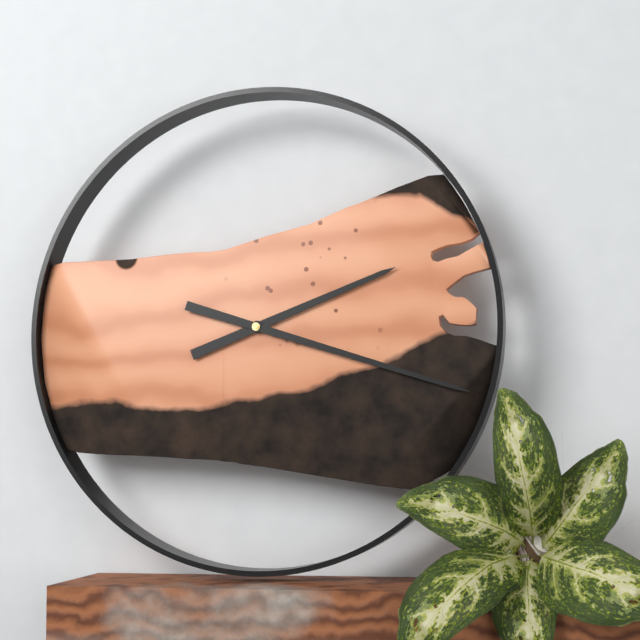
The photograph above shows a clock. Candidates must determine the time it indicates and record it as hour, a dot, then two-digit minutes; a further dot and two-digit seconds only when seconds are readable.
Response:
2.18
